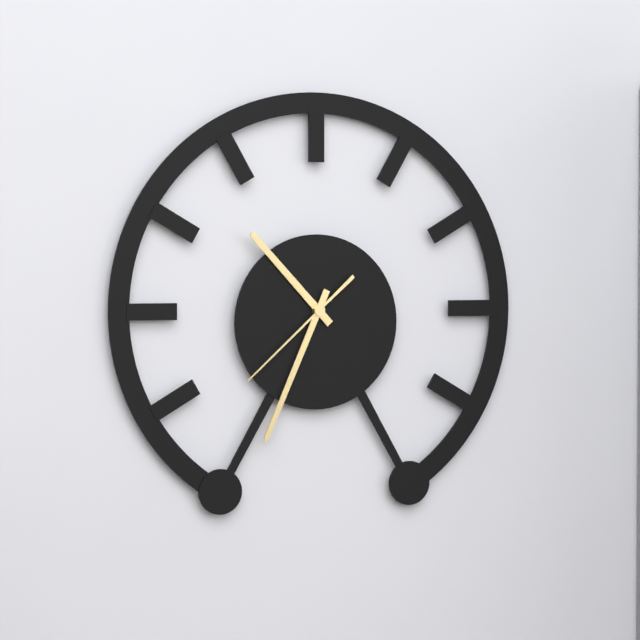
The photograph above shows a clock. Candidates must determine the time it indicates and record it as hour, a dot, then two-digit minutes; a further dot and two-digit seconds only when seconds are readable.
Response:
10.34.38
